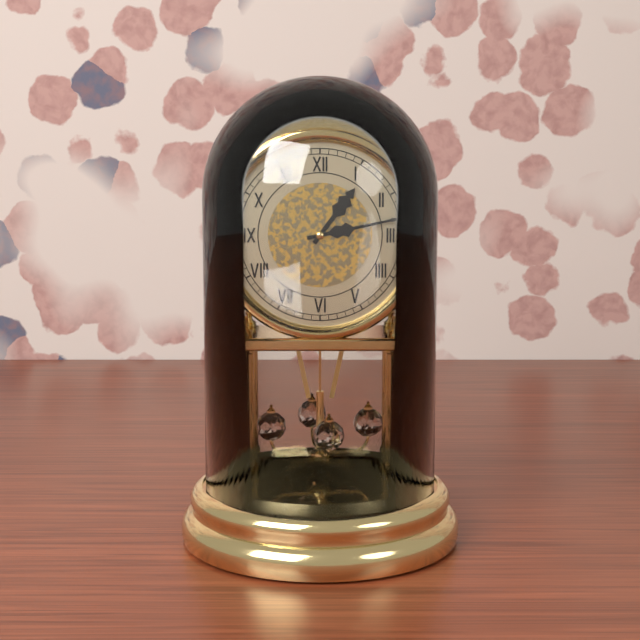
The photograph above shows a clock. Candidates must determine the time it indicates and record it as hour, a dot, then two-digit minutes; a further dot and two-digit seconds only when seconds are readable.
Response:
1.13
